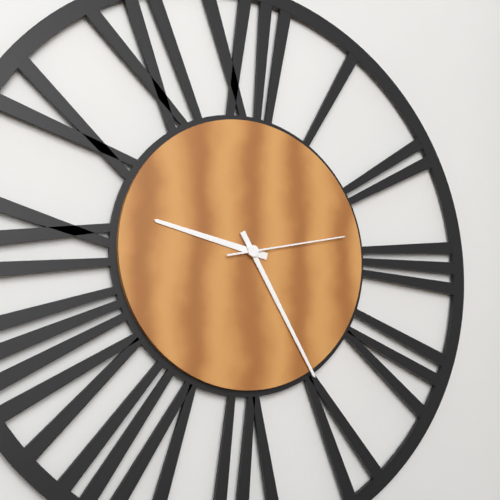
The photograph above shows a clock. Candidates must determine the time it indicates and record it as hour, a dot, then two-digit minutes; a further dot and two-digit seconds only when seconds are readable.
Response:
9.25.13
